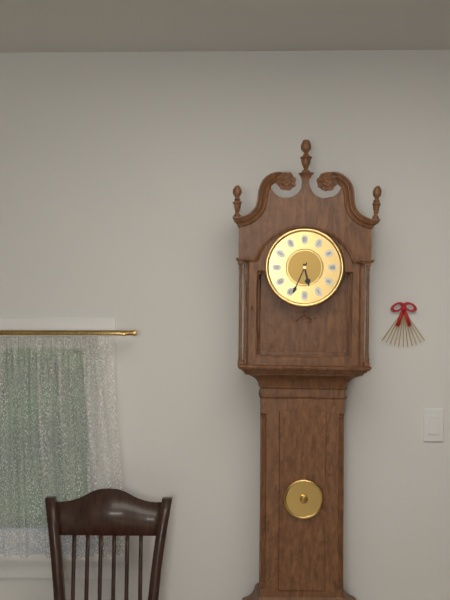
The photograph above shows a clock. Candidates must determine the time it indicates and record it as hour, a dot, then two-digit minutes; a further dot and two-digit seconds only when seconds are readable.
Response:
5.34
